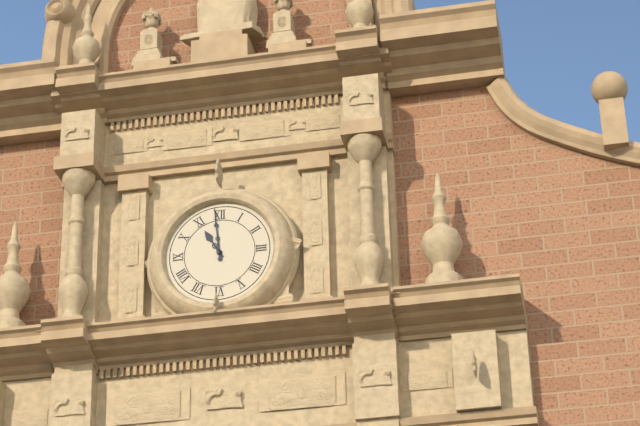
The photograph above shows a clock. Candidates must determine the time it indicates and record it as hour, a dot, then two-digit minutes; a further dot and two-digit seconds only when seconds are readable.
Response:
10.59
